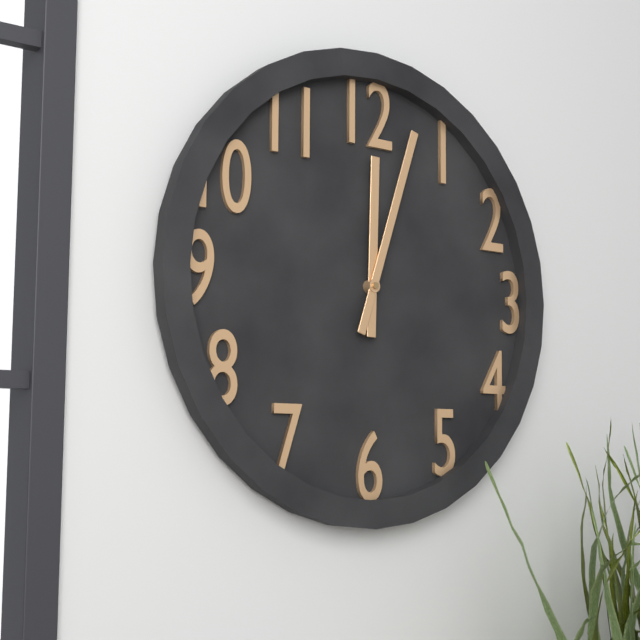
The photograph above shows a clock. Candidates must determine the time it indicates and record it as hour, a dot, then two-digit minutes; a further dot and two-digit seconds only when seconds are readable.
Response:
12.03
